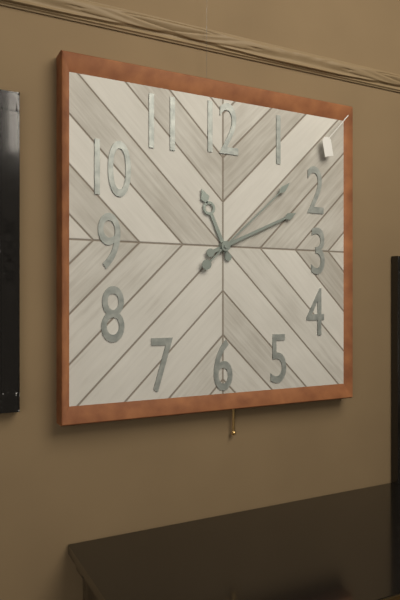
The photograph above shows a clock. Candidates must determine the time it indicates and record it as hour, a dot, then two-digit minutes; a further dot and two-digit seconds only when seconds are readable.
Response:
11.11.08
